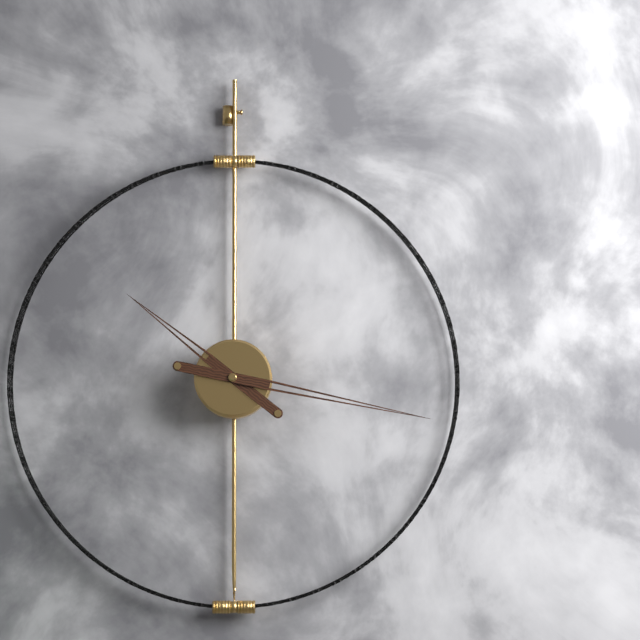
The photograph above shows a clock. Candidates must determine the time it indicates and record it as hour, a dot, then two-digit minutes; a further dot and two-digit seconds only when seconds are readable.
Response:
10.17
